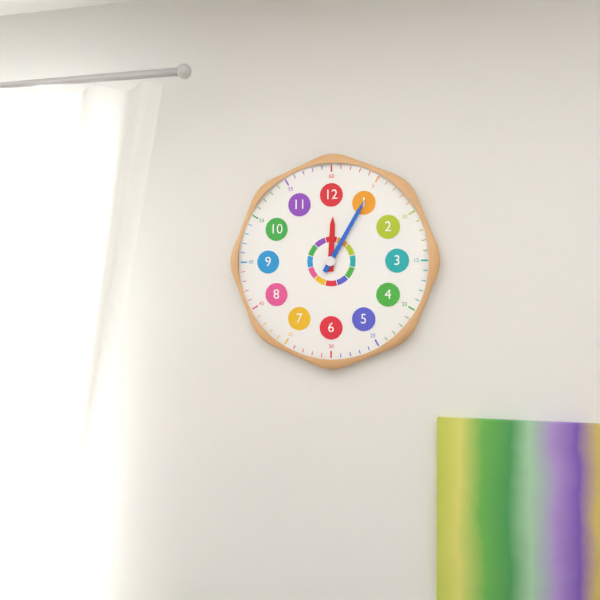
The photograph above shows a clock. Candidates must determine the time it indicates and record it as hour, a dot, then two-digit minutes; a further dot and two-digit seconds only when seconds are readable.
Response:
12.05
